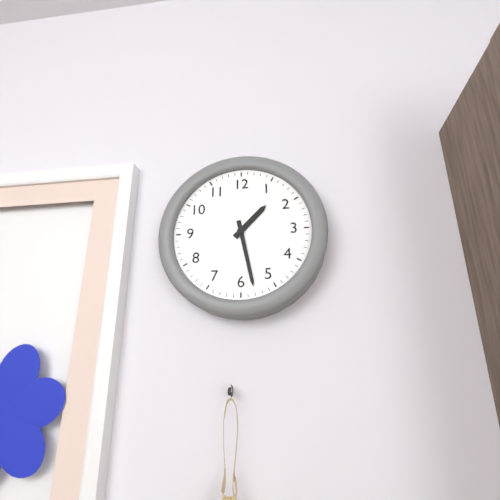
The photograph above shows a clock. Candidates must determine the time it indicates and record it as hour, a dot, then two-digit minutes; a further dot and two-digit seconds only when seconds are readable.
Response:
1.28
